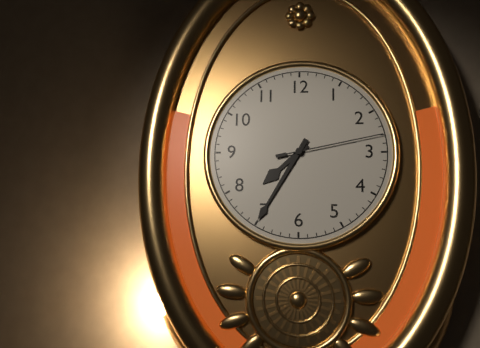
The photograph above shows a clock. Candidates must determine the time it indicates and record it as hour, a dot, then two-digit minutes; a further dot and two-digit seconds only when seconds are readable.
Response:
7.35.13
